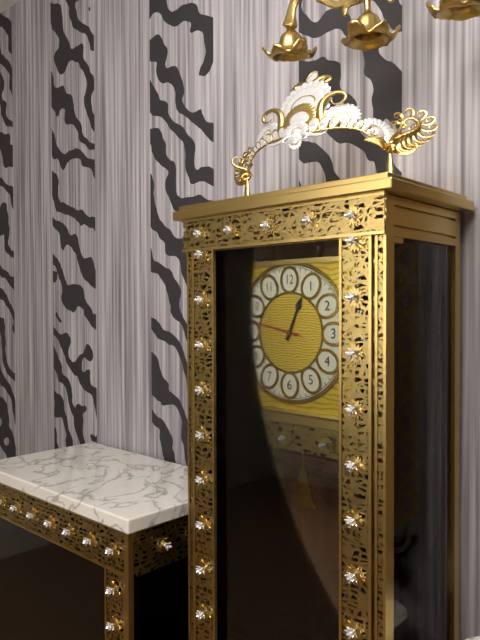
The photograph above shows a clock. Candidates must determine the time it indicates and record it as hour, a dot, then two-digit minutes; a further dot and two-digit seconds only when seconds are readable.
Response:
12.47.47
